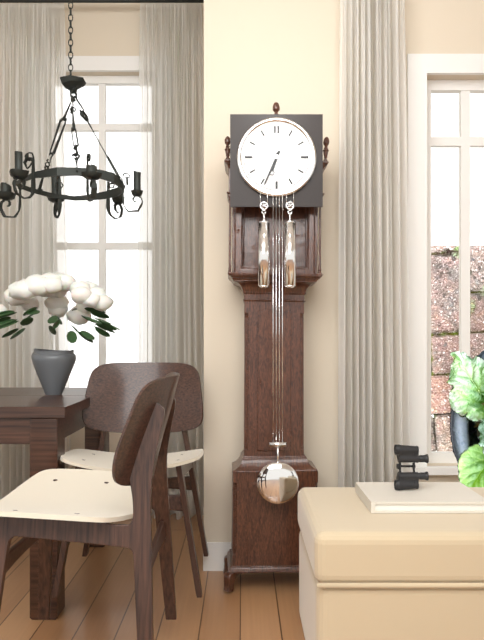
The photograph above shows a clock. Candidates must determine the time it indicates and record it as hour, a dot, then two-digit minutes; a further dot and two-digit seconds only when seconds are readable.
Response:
6.34
